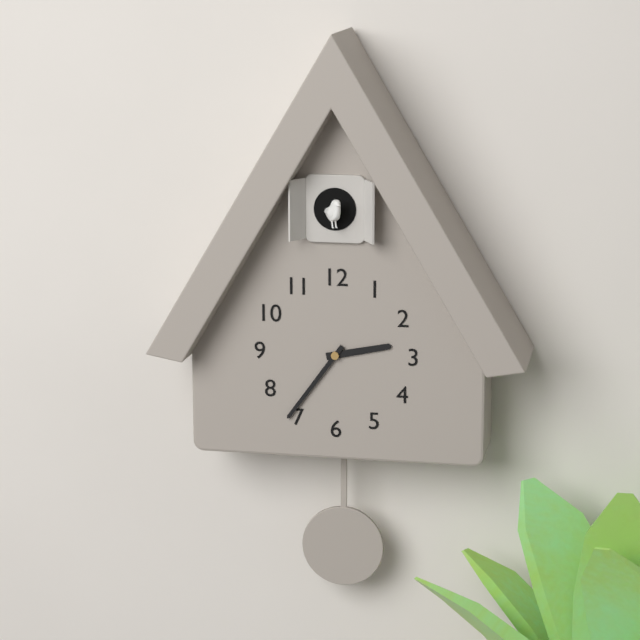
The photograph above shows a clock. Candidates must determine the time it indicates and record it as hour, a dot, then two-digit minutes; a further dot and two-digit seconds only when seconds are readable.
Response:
2.36
